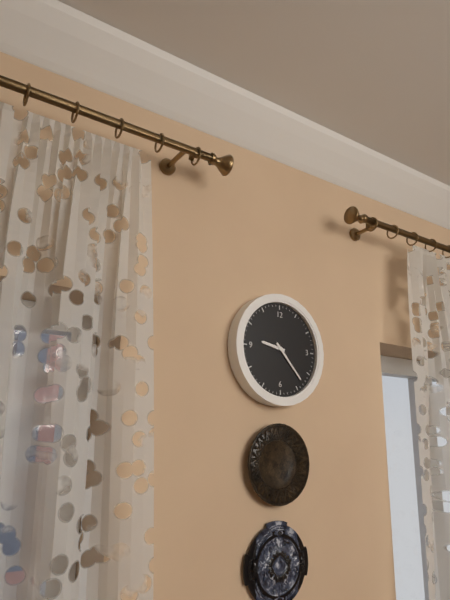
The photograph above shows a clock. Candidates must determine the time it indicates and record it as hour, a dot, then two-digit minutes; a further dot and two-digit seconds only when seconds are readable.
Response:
9.23
